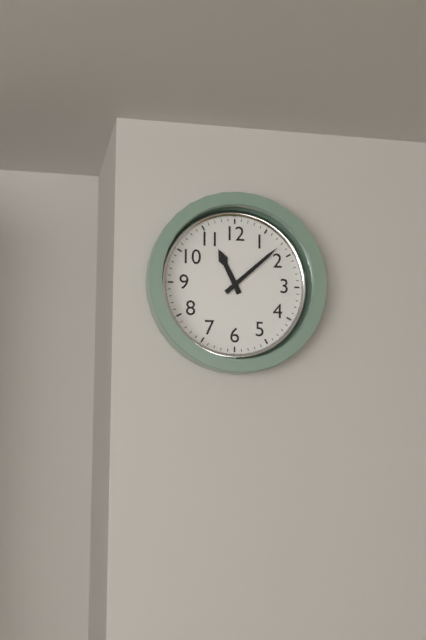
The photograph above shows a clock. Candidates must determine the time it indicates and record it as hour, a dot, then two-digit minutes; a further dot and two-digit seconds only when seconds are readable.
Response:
11.08
